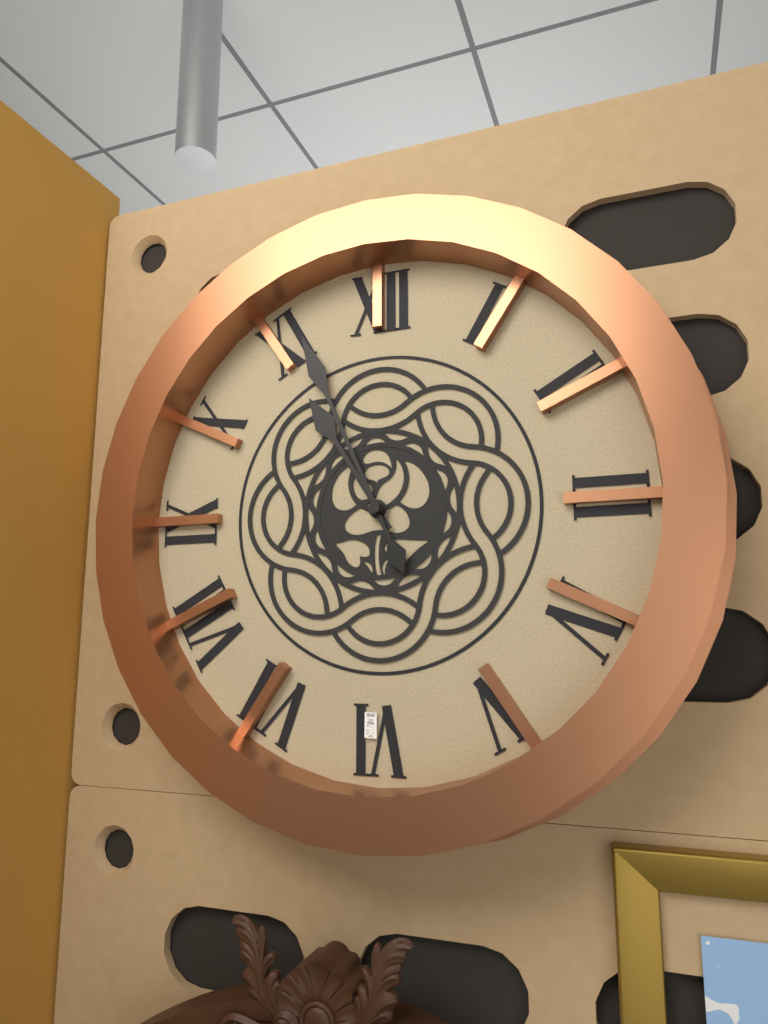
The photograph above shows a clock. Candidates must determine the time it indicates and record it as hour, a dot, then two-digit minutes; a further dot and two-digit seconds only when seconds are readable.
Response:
10.56
